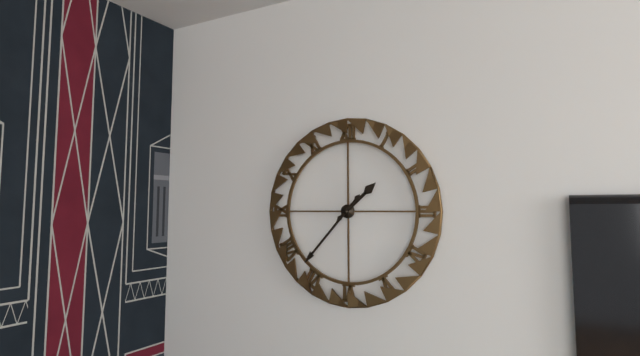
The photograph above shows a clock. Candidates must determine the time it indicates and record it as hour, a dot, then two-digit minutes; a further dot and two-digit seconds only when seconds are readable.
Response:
1.37
